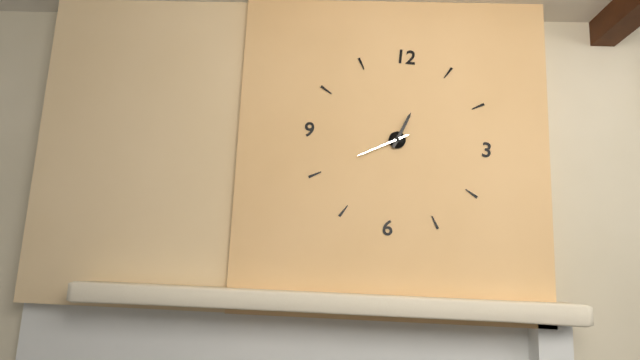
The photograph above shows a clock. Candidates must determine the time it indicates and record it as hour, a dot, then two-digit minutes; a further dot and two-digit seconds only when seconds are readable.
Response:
12.40
